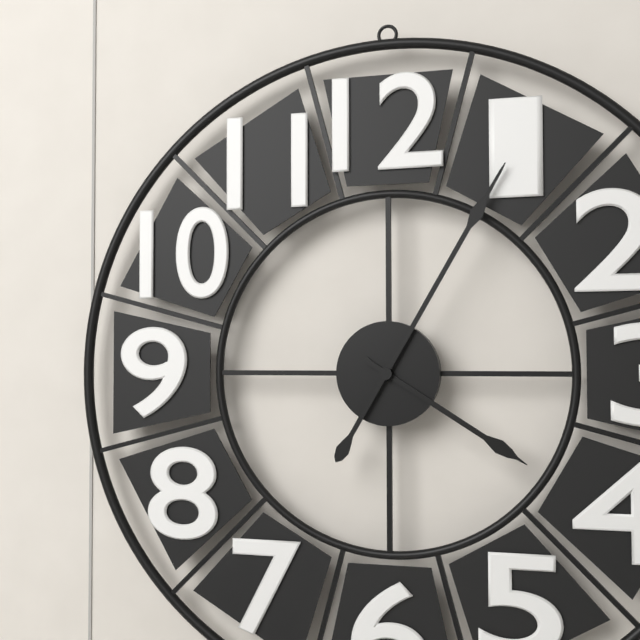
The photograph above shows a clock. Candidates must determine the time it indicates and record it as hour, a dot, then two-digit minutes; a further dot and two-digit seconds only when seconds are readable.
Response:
4.05
